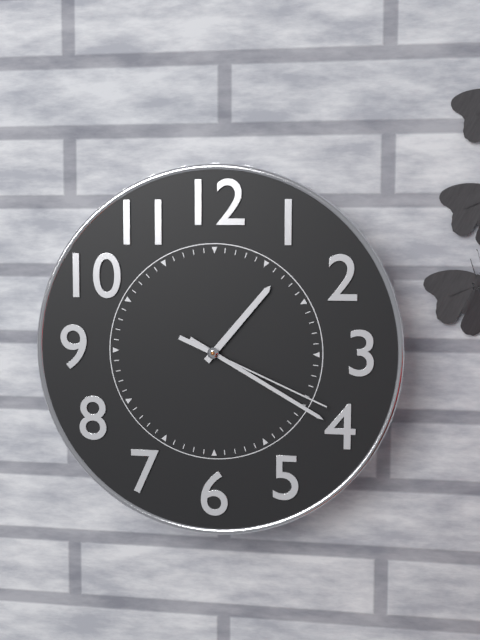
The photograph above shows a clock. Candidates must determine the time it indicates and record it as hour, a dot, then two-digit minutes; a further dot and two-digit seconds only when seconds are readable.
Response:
1.20.19
